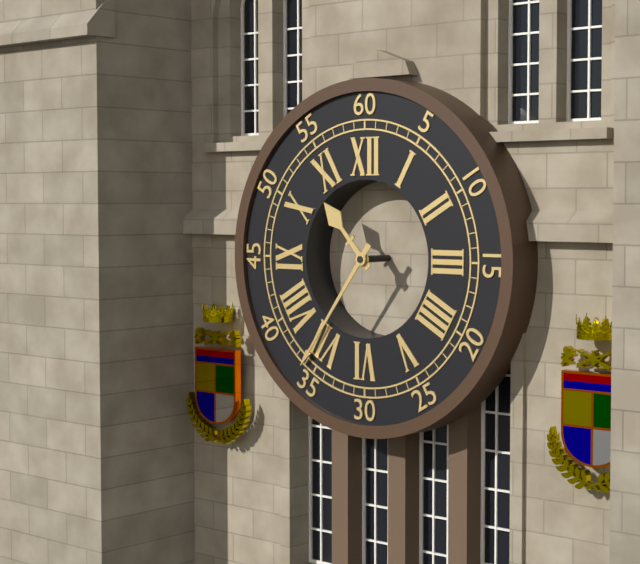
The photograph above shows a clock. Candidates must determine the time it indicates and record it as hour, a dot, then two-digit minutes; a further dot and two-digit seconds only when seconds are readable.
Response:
10.36
